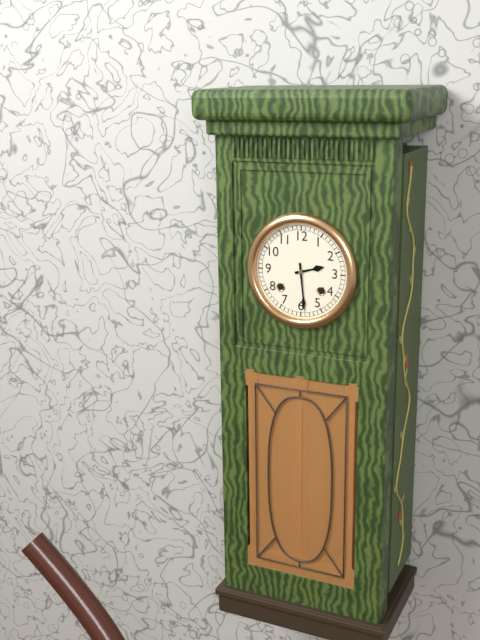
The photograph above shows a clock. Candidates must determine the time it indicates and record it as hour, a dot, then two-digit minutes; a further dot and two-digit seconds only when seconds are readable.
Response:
2.29
